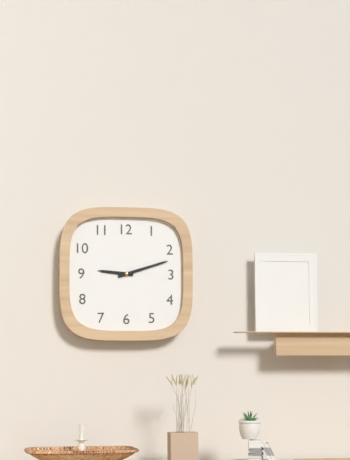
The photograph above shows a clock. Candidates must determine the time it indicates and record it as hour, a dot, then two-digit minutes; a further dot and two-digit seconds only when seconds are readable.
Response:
9.12
